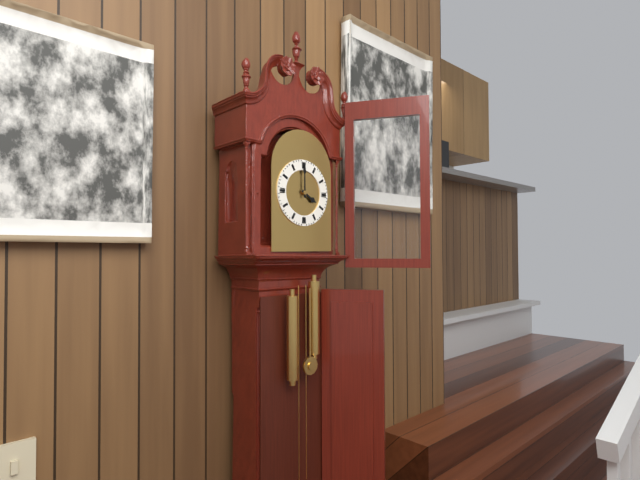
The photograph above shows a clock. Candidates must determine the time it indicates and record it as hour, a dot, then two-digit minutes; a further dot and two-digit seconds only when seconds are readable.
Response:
4.00
